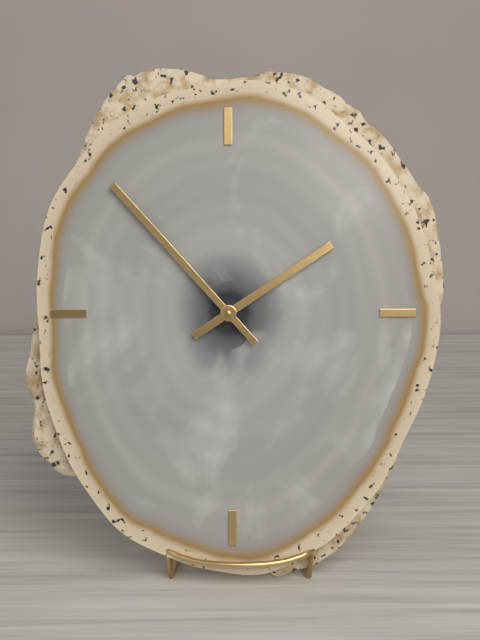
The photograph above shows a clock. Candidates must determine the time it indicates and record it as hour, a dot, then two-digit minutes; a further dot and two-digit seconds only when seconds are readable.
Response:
1.53
